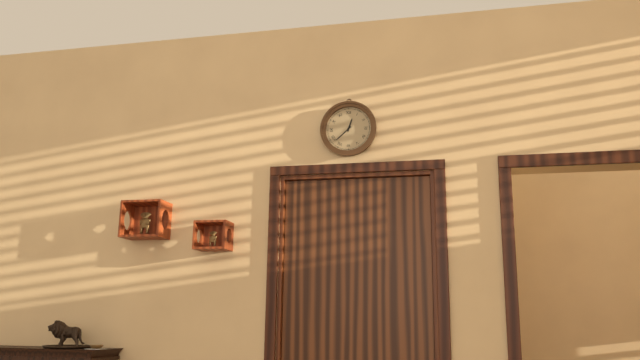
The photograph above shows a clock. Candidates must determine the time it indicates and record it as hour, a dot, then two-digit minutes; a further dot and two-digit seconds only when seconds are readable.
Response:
12.38
